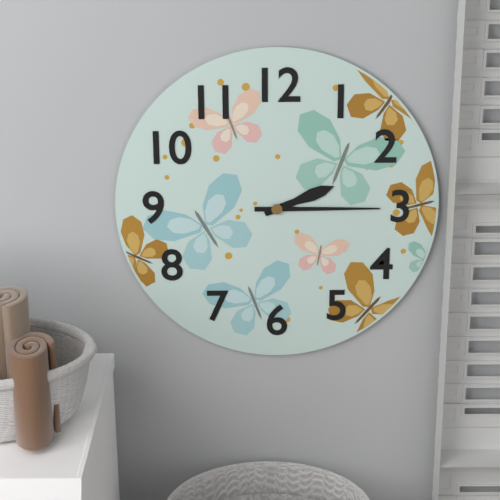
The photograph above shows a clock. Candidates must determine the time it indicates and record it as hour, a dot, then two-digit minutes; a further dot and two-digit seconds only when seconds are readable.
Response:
2.15
